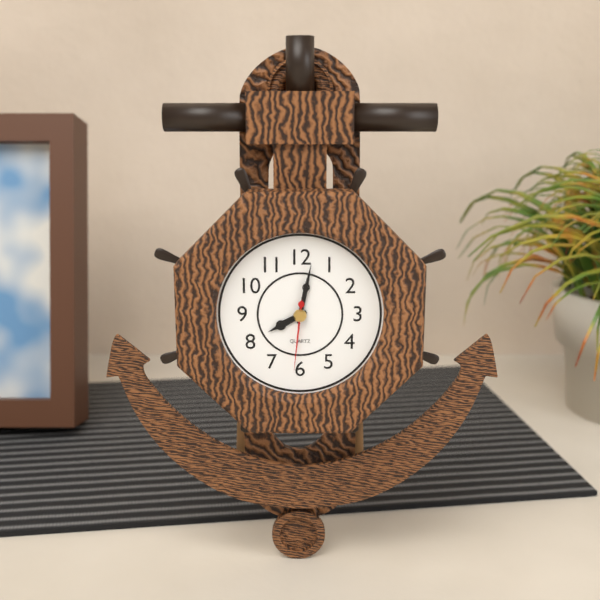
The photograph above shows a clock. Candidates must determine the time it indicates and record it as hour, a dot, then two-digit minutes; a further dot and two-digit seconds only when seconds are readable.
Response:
8.02.31
